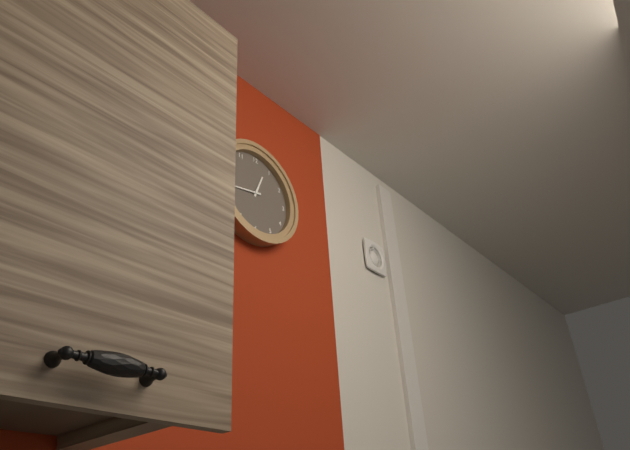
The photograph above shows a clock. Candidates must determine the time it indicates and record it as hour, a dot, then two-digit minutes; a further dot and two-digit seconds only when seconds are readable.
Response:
12.43
